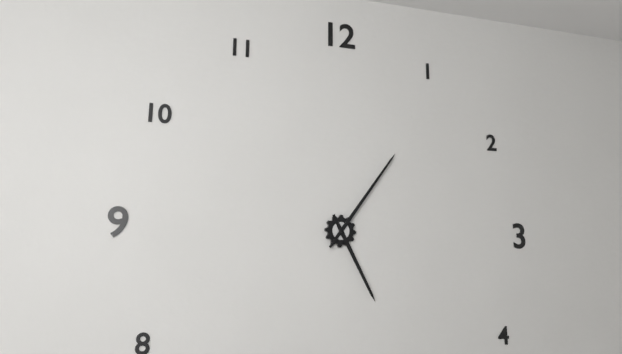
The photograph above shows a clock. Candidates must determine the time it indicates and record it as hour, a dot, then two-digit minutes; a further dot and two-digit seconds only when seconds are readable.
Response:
5.06
